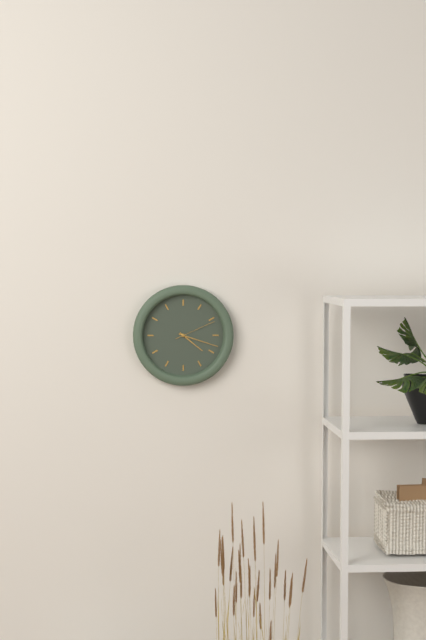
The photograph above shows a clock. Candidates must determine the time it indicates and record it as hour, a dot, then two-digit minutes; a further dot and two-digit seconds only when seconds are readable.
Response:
4.18
